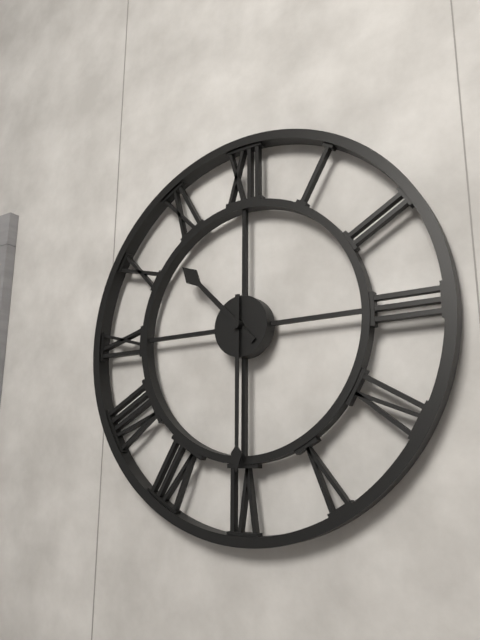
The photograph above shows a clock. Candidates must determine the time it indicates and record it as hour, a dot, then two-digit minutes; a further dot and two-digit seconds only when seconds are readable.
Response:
10.30
